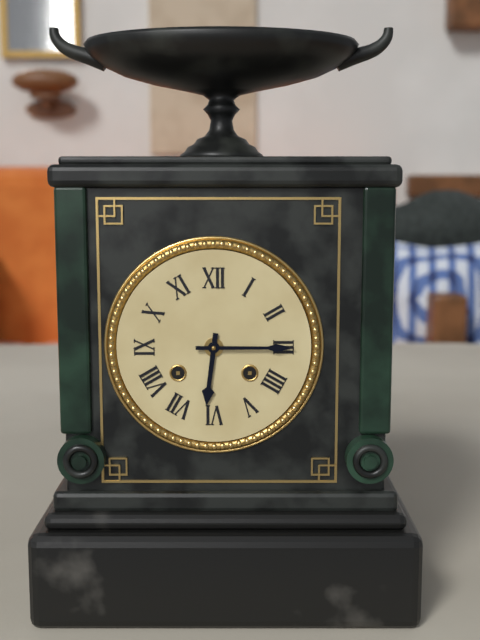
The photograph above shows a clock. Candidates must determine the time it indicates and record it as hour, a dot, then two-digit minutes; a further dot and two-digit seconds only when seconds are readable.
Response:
6.15
